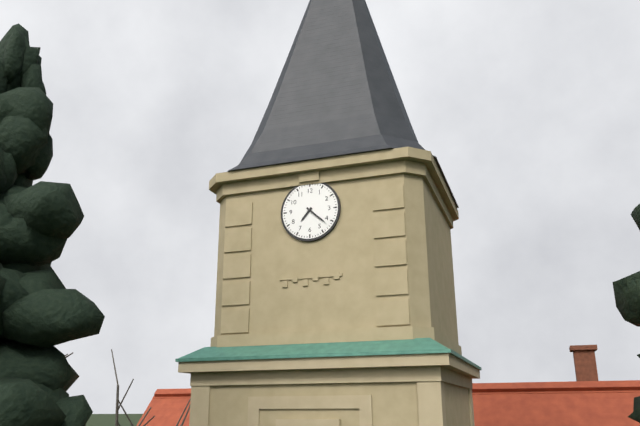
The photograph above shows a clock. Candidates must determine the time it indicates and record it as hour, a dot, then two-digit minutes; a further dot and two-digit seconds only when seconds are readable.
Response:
7.22
